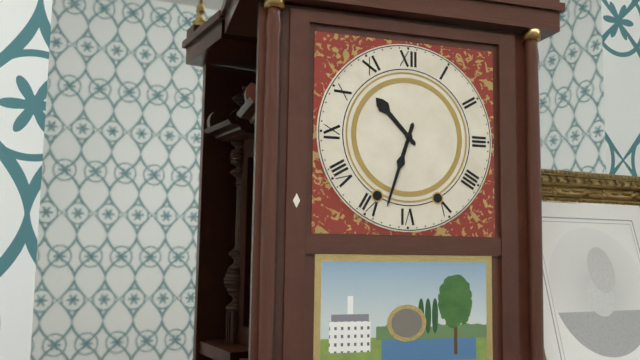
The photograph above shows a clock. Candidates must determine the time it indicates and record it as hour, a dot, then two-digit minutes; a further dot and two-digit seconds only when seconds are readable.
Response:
10.33
